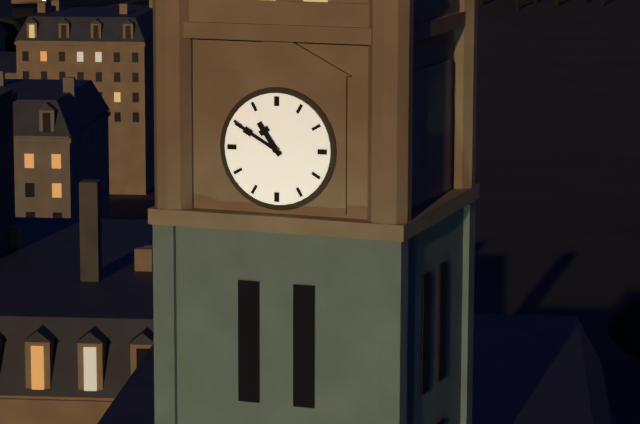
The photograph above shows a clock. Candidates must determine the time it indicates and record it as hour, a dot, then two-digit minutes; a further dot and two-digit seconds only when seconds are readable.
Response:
10.50
